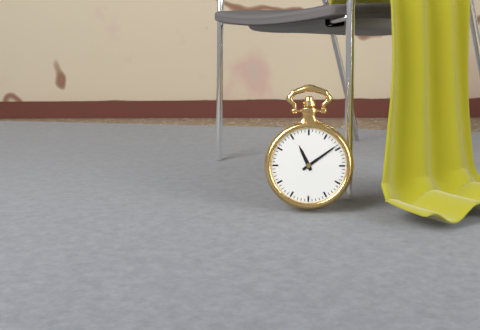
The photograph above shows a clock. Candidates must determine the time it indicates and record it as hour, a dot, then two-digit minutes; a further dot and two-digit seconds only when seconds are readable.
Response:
11.09
